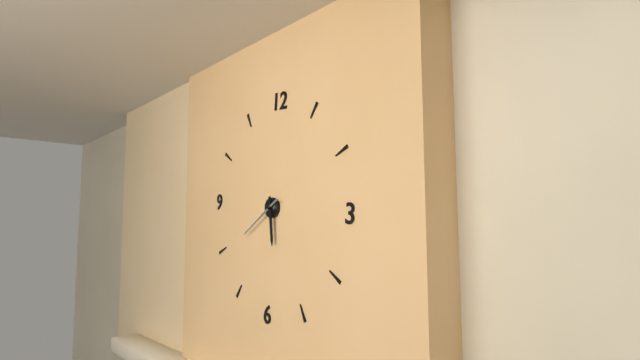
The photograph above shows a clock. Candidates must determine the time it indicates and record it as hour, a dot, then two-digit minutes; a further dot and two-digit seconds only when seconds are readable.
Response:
5.39
